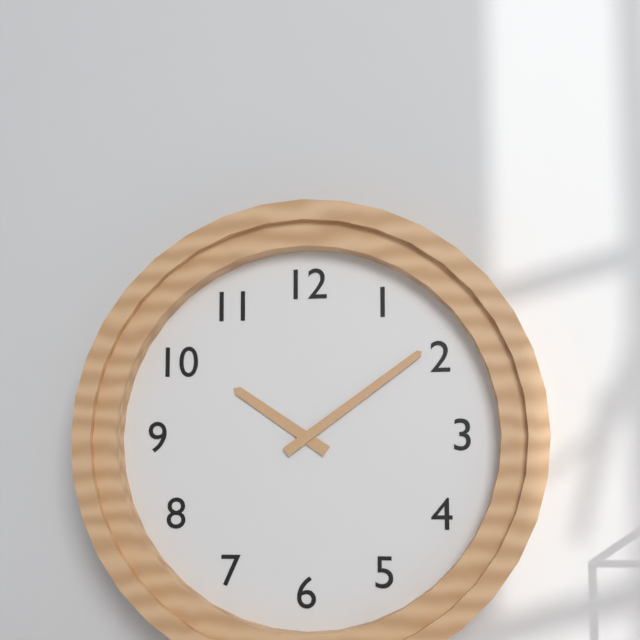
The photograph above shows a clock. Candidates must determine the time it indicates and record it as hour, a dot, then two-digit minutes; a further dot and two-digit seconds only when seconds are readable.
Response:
10.09
